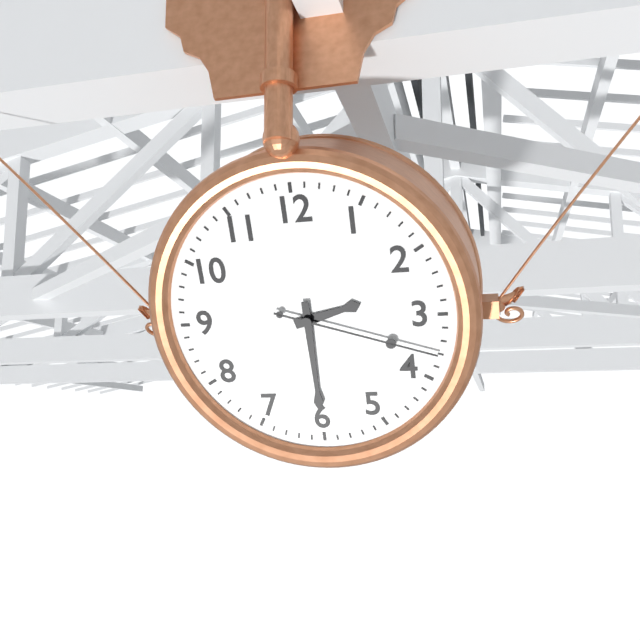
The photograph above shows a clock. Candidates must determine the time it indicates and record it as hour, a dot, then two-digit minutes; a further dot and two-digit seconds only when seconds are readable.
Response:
2.30.18
